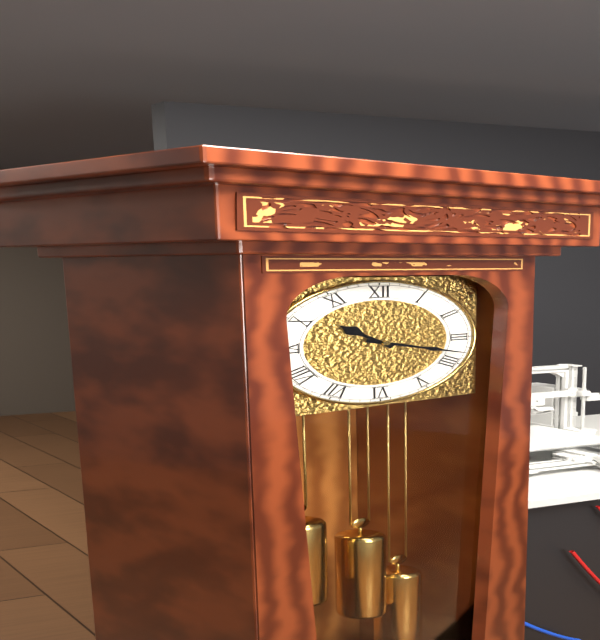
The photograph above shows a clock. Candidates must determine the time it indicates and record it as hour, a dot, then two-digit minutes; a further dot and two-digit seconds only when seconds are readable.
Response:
10.18
